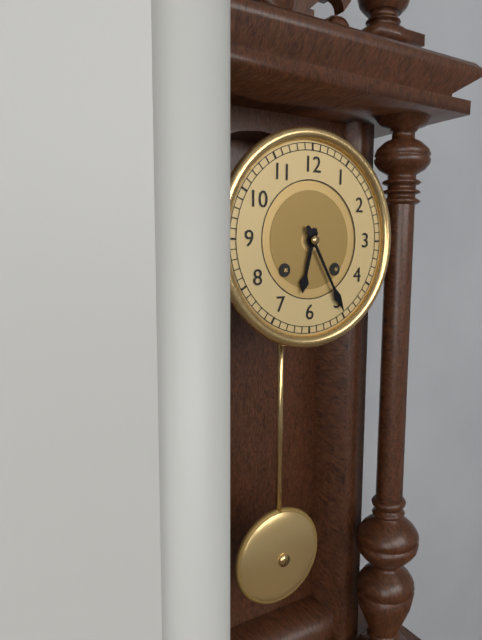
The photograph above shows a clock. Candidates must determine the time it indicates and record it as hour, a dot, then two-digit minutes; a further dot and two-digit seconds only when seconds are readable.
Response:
6.25
